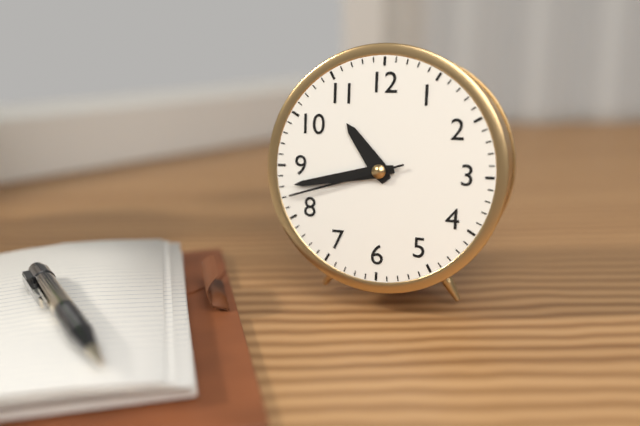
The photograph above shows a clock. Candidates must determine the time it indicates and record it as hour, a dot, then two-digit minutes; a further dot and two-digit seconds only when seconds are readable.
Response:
10.43.42
